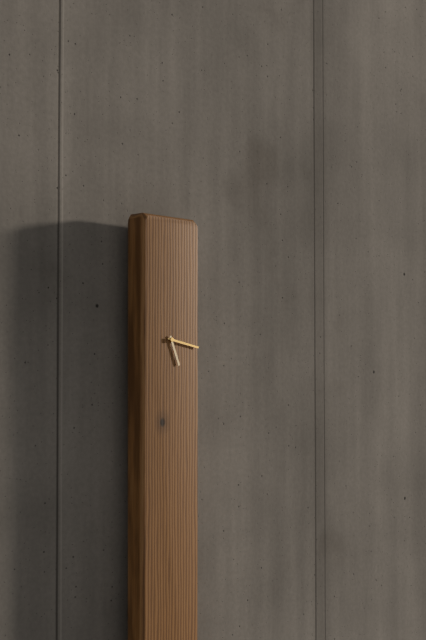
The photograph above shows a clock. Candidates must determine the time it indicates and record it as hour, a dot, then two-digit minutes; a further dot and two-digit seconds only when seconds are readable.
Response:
5.17
